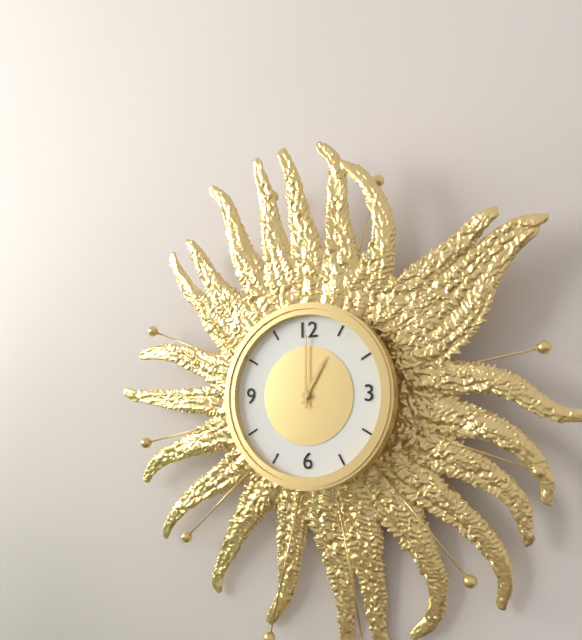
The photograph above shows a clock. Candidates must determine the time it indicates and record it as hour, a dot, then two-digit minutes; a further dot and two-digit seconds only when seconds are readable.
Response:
1.00
